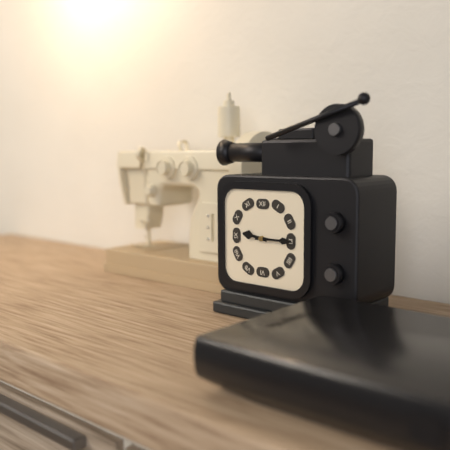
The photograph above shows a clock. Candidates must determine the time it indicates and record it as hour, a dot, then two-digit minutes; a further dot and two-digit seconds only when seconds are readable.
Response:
9.15
